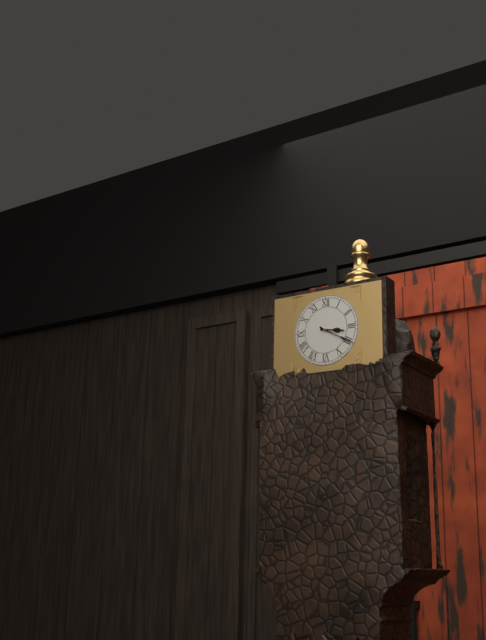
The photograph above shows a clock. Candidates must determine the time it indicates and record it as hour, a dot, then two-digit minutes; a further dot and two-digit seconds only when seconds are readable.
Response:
3.20
